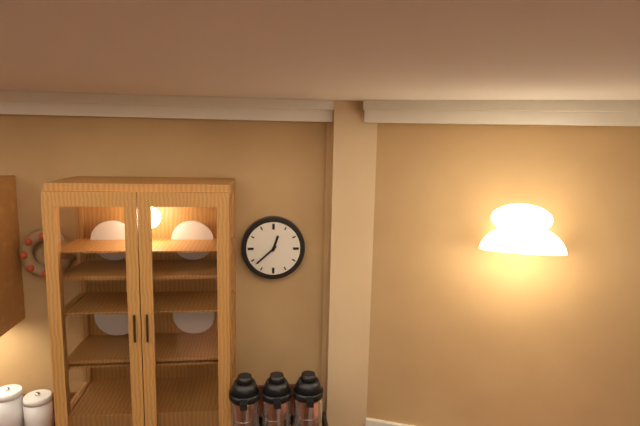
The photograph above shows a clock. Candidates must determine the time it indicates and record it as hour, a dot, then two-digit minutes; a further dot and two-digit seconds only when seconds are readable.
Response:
12.38
